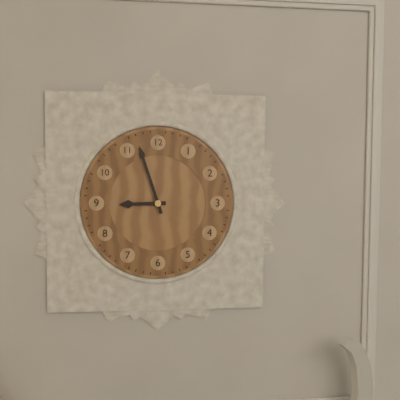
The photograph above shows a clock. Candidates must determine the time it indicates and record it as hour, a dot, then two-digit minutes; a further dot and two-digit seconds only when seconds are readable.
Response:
8.57
